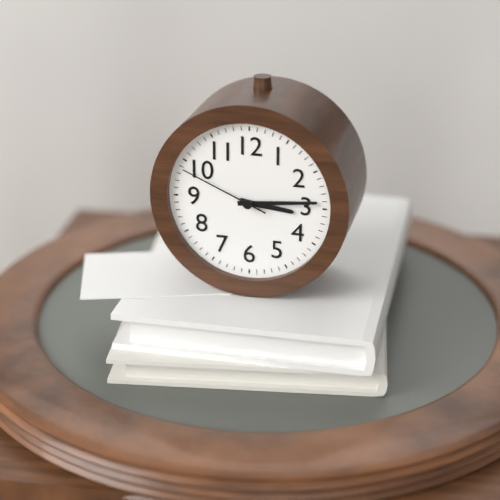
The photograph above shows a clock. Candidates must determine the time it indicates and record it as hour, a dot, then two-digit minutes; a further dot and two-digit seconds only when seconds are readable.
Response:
3.14.49
